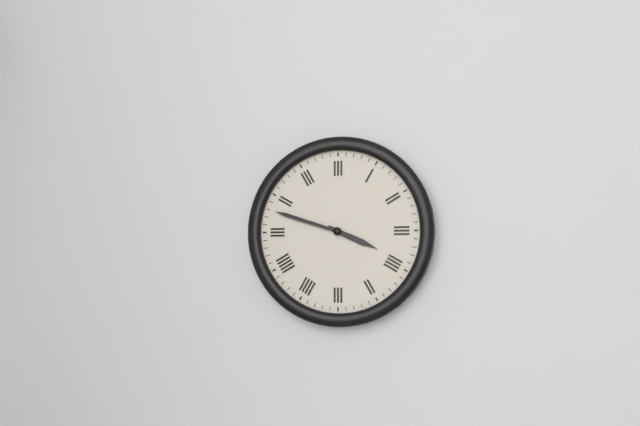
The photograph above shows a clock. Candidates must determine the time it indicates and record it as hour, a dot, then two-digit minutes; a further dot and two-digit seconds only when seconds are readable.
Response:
3.48
